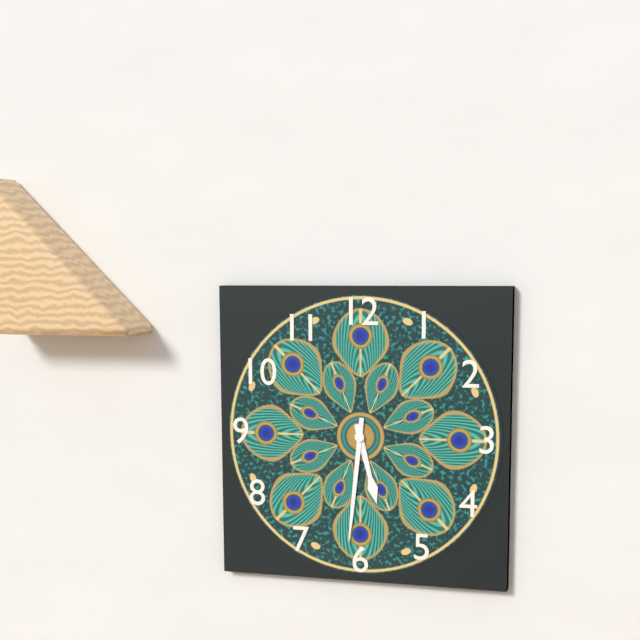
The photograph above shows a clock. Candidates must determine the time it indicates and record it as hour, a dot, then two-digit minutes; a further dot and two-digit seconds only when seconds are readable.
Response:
5.31
